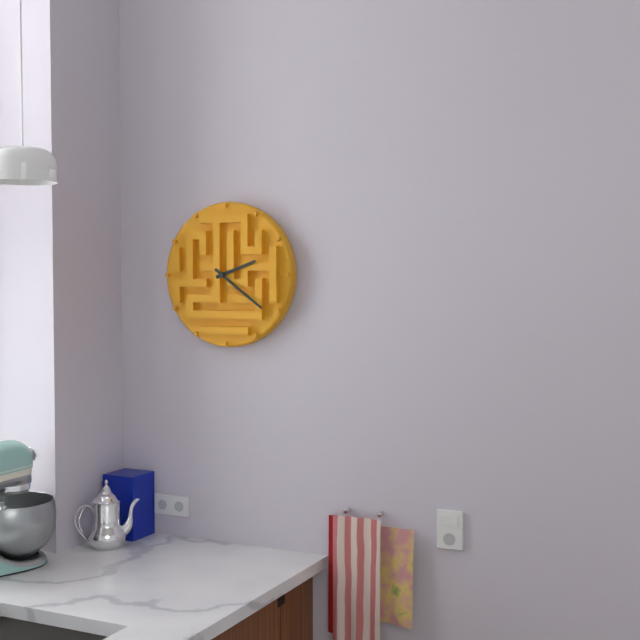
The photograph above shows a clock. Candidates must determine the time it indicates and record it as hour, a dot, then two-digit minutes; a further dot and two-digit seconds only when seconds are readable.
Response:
2.21
